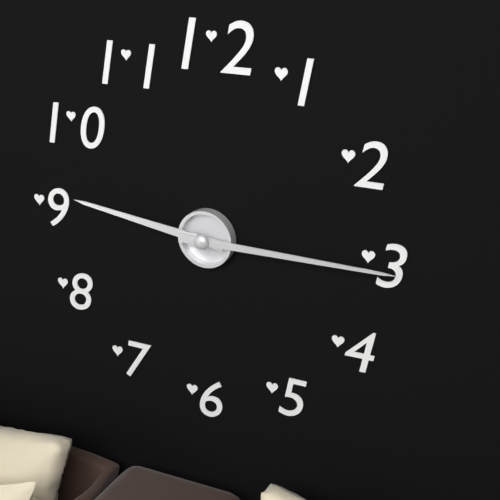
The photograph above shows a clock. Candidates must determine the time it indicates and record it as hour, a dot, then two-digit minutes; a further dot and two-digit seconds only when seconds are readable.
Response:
9.15
